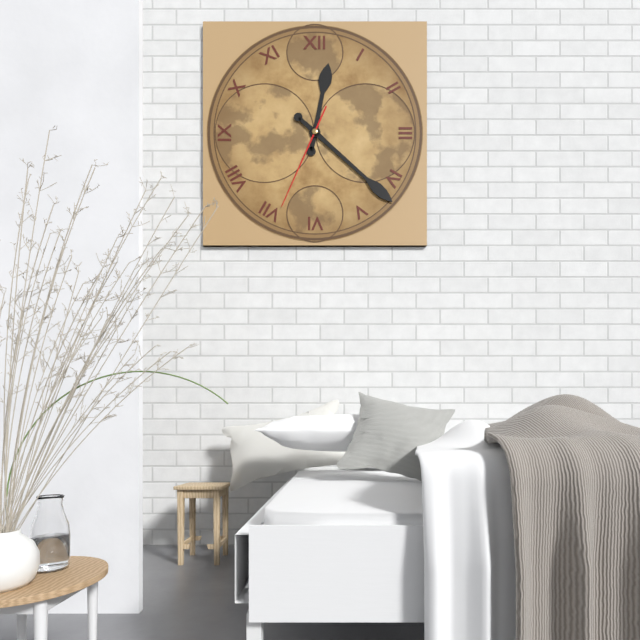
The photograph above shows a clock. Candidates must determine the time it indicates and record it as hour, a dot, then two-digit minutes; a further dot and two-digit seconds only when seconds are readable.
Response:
12.22.34
